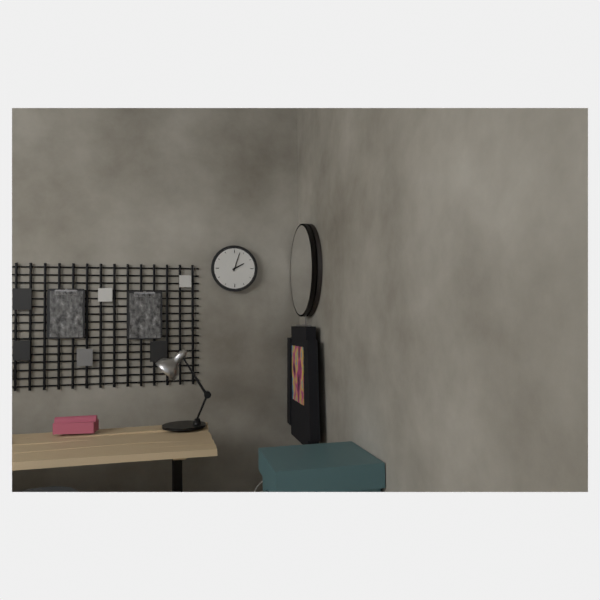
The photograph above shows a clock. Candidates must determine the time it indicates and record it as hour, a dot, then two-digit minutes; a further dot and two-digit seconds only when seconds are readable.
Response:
2.03
